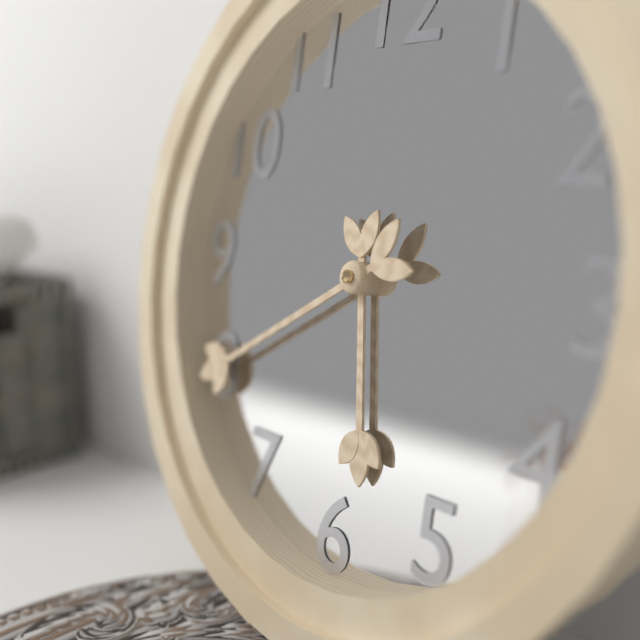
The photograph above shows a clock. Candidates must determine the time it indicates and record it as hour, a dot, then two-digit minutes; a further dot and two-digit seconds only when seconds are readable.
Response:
5.40
